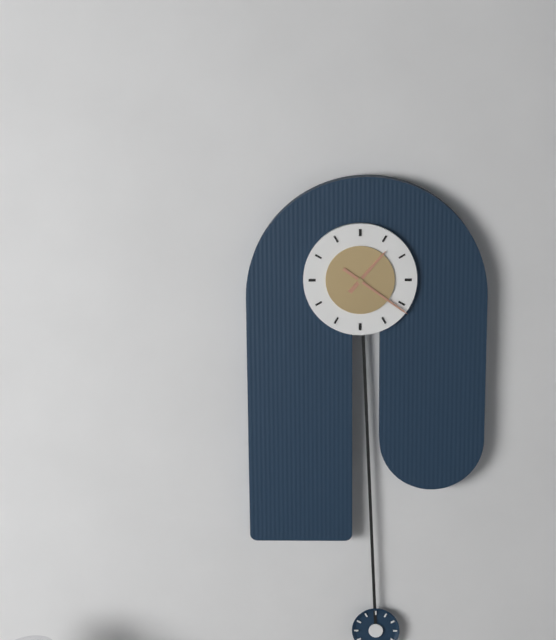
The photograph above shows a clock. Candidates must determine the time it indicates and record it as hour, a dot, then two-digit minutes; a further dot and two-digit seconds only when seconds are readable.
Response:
1.21
